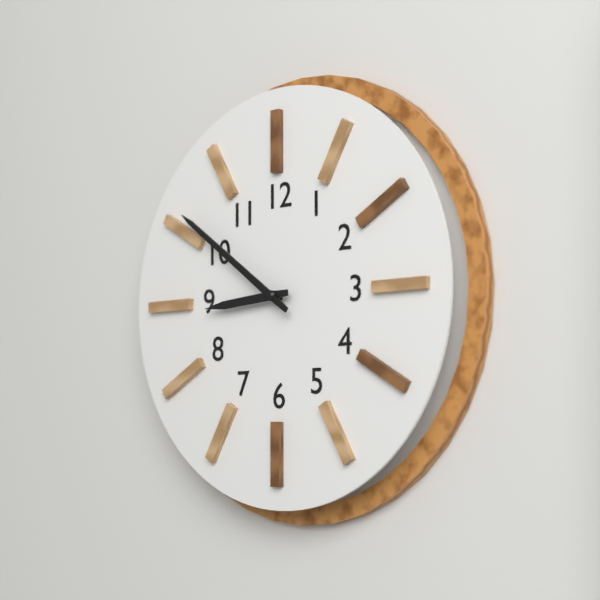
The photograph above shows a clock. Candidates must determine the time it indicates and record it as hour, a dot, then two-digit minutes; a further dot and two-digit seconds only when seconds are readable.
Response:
8.51
